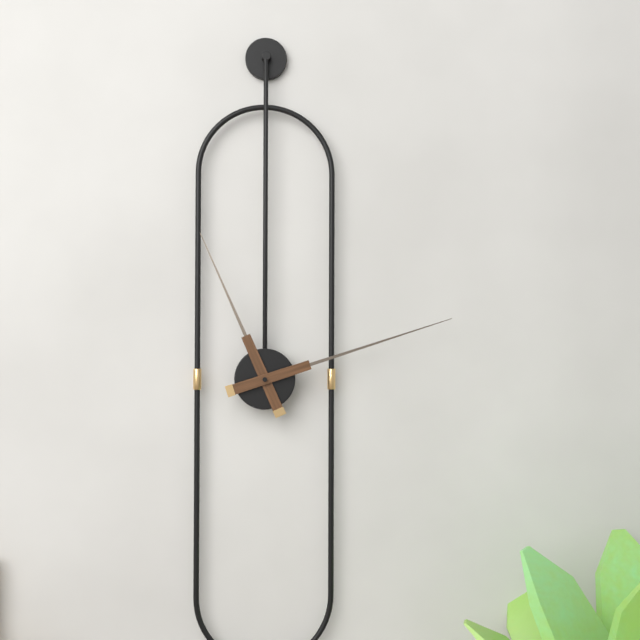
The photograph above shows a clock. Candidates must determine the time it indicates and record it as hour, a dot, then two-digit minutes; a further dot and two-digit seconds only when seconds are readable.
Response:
11.12
